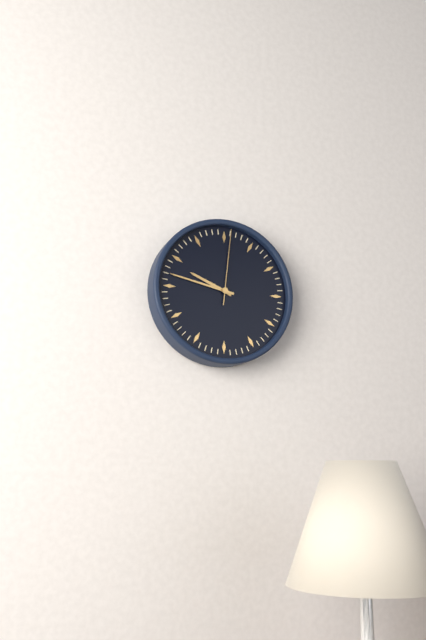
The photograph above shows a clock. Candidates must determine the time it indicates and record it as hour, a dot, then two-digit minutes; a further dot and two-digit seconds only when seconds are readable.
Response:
9.47.01
